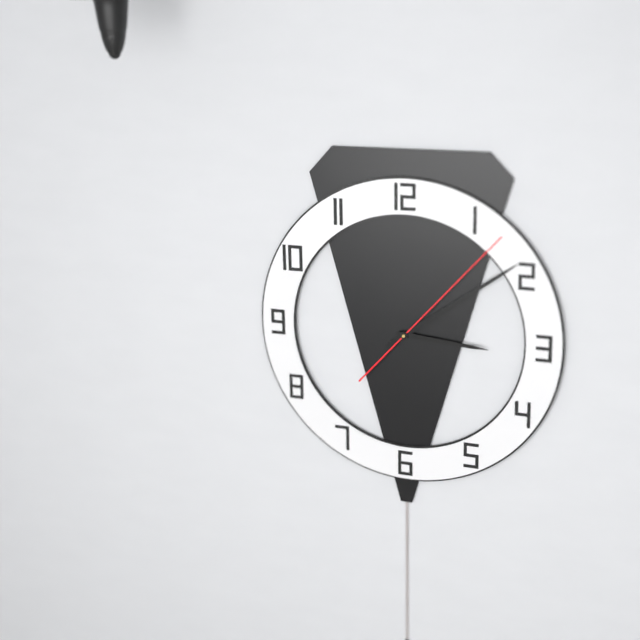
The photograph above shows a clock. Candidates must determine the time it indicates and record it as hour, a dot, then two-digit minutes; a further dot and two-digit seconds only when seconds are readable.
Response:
3.09.07
